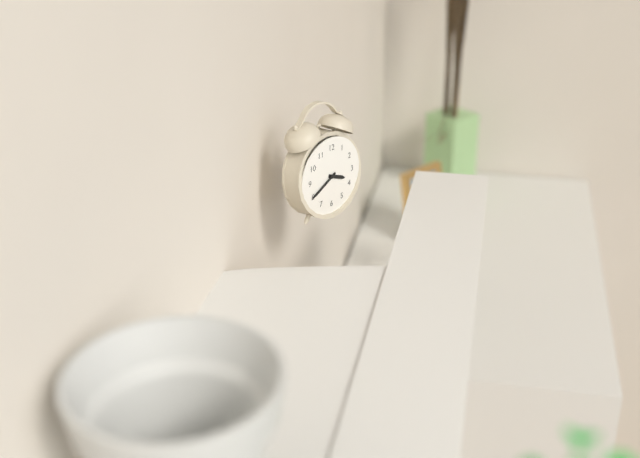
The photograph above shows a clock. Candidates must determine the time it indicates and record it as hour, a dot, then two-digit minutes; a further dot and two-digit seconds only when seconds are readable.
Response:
3.40
